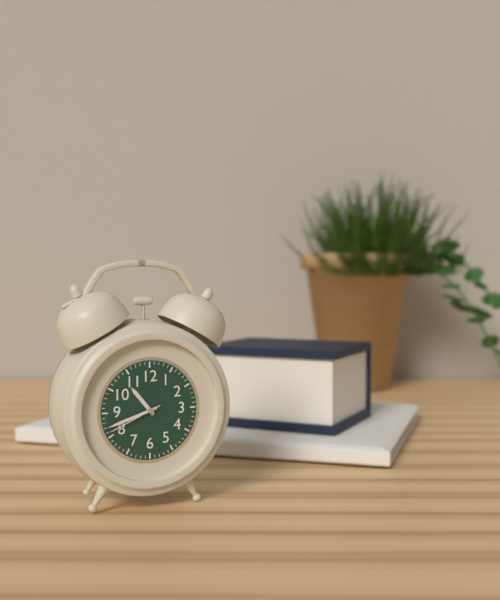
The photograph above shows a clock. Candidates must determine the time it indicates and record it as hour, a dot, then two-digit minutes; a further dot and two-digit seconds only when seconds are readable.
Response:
10.42.41
